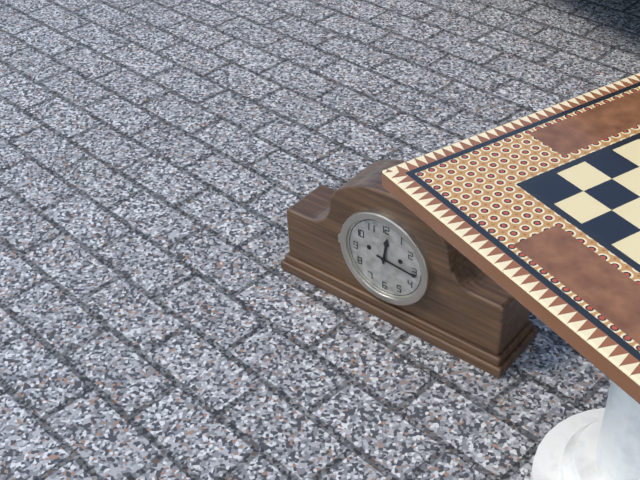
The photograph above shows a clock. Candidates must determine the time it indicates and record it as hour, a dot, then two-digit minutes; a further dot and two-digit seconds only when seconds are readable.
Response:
12.16
